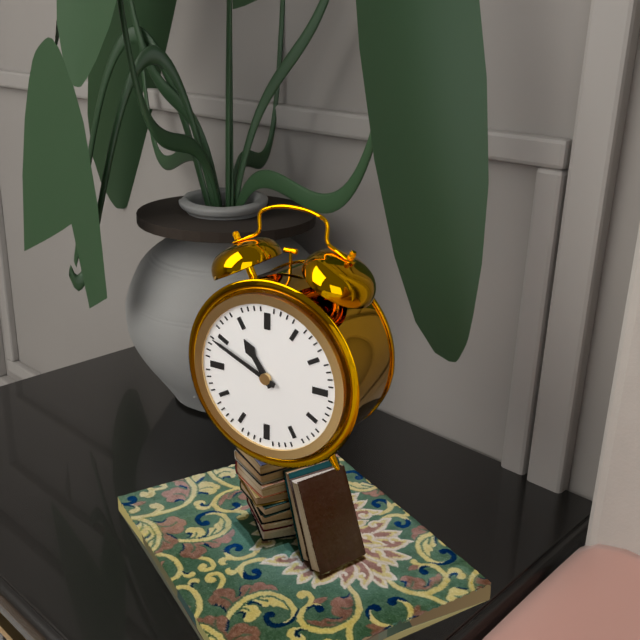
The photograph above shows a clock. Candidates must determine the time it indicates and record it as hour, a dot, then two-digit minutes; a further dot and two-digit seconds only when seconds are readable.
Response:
10.49
